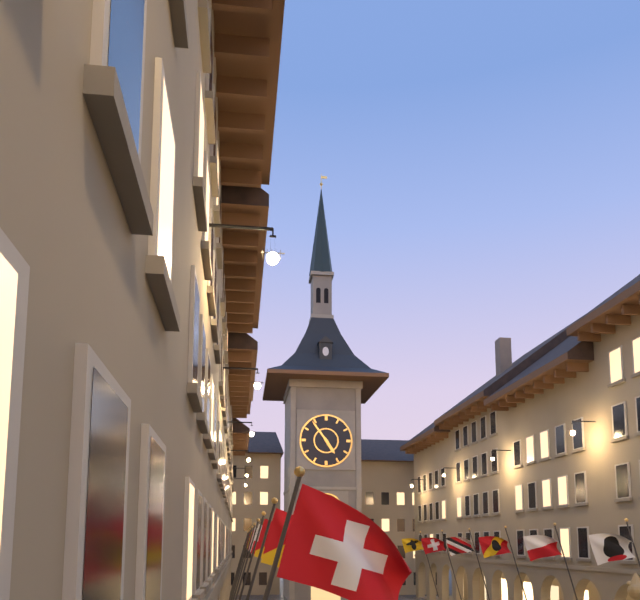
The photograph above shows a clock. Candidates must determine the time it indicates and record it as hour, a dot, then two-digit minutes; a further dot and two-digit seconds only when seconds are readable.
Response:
4.54
